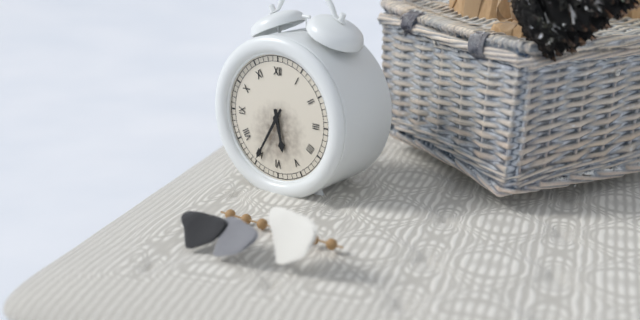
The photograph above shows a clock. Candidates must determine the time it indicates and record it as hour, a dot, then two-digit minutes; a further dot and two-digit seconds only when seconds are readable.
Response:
5.35
